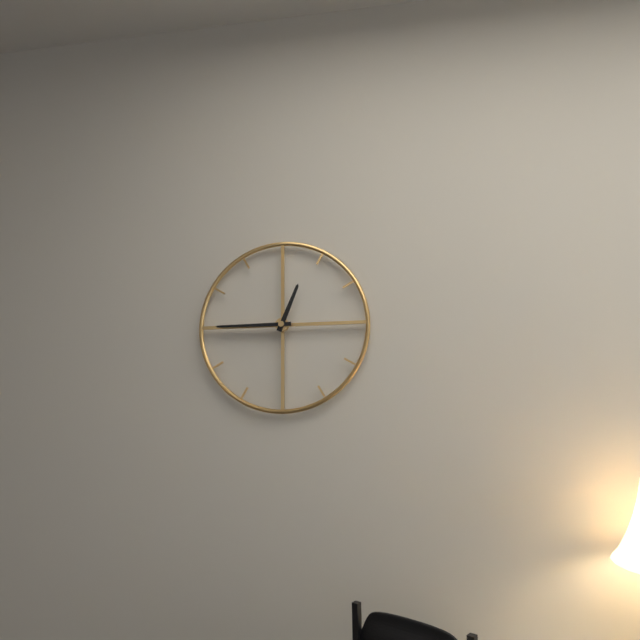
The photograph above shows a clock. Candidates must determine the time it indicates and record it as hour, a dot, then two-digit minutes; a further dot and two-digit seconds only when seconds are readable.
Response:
12.45
